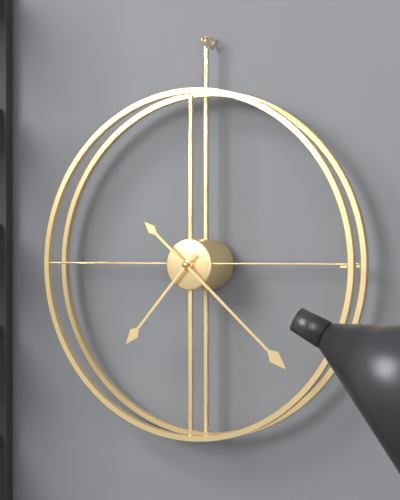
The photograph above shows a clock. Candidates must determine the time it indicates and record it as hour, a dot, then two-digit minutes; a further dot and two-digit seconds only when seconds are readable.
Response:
7.22
